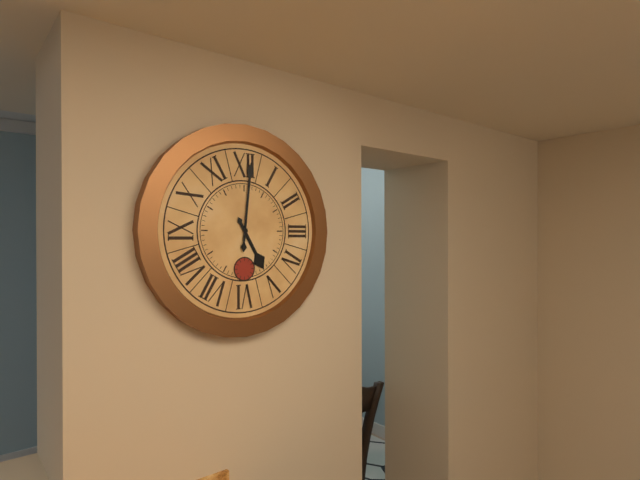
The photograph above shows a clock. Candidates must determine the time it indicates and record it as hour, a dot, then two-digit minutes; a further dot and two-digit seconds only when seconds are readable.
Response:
5.01
